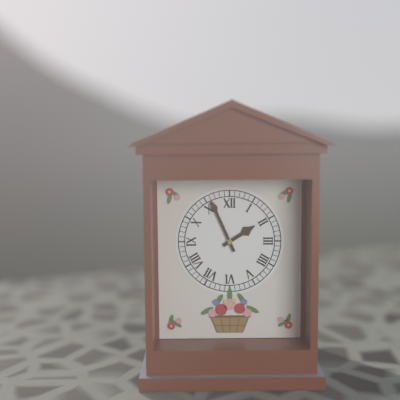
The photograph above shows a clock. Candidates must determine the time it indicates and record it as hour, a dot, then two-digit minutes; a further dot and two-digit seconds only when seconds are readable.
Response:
1.56
